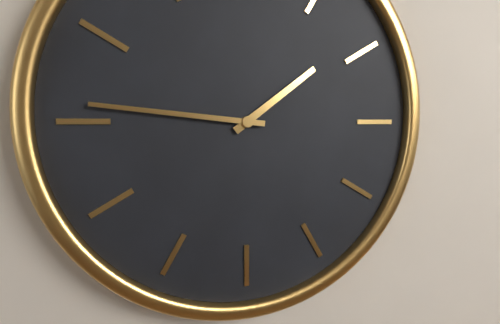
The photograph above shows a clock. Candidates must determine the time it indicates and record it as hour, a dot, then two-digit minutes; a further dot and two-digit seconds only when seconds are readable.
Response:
1.46
